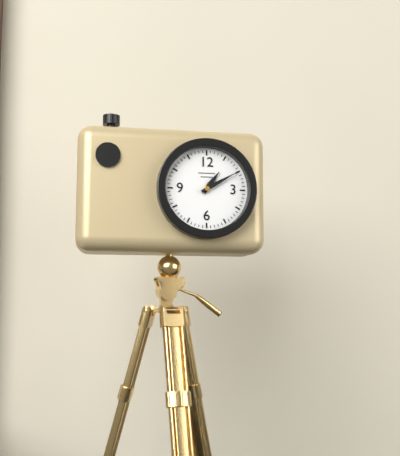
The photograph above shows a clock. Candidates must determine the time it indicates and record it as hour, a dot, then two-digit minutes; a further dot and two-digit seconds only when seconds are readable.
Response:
1.10
